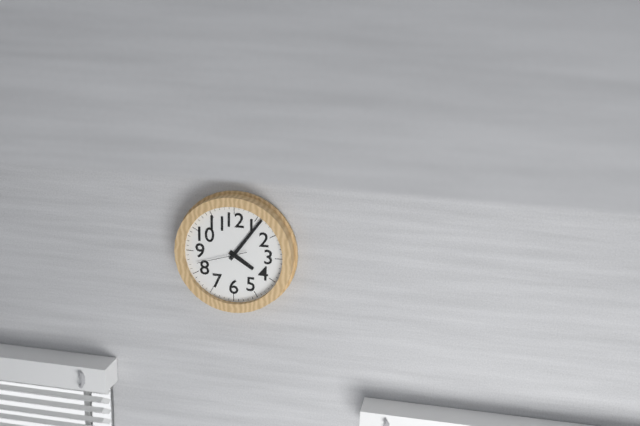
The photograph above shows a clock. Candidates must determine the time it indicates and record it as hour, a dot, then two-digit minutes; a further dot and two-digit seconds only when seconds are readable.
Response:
4.06
